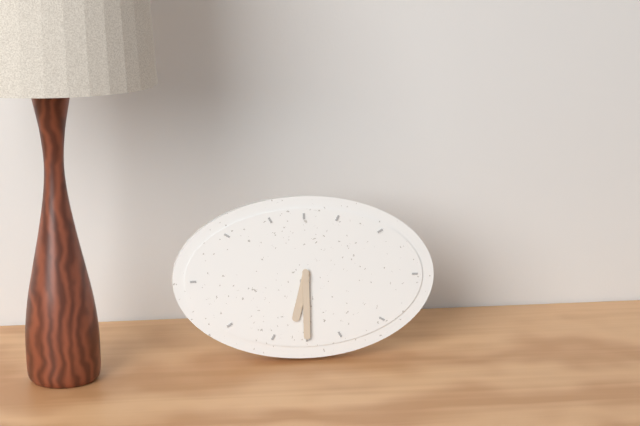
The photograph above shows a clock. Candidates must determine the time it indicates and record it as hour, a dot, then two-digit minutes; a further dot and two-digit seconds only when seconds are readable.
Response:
6.30
